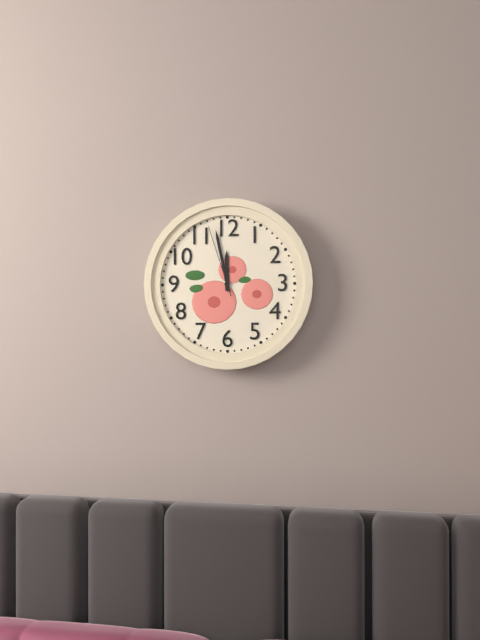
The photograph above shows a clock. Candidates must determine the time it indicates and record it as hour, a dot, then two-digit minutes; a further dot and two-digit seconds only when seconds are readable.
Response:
11.58.57
